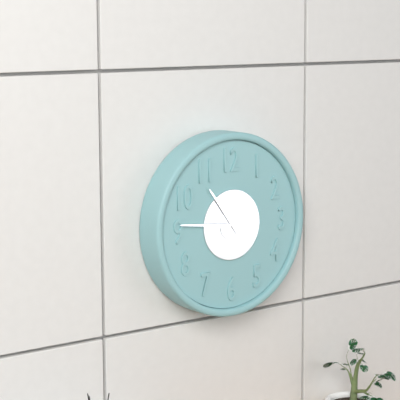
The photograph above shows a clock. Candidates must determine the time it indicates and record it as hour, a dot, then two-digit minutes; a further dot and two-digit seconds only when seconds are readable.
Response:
10.46
